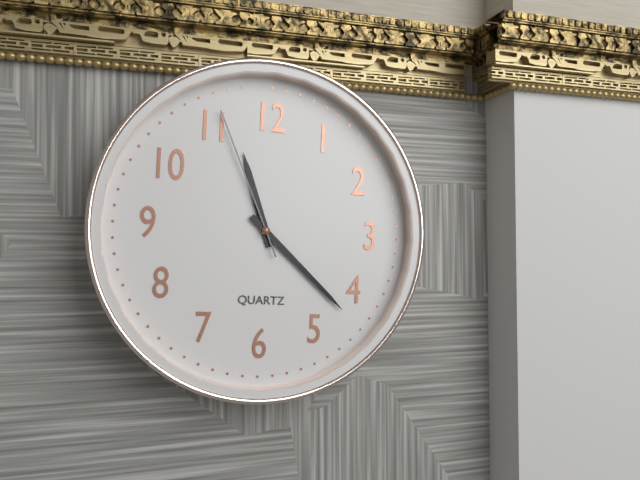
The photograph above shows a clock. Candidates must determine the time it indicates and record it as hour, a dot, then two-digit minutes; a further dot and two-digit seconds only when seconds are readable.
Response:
11.22.56
